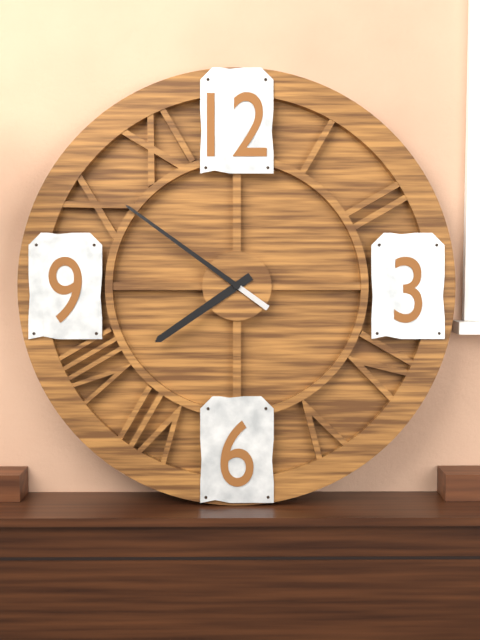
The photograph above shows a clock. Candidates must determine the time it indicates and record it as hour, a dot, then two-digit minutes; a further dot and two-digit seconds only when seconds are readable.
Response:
7.51
